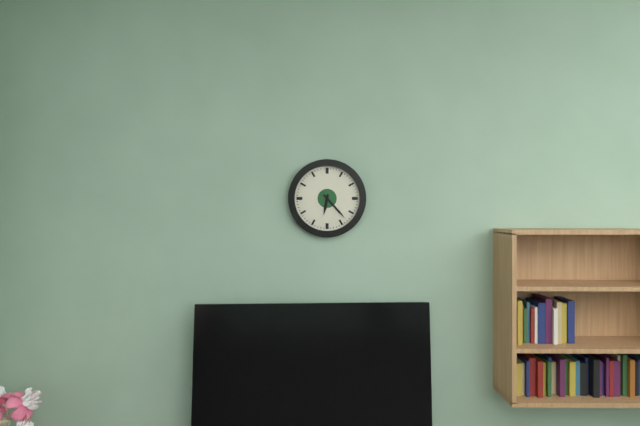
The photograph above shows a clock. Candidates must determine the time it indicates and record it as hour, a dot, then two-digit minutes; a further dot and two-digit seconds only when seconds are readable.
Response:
6.23
